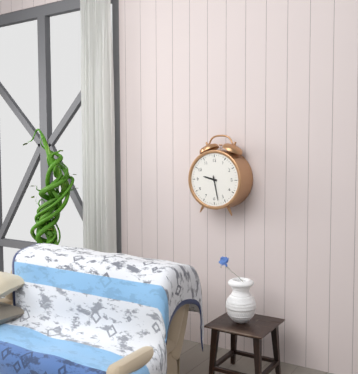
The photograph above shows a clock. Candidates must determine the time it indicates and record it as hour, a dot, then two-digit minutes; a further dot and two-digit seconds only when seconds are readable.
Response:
9.28
